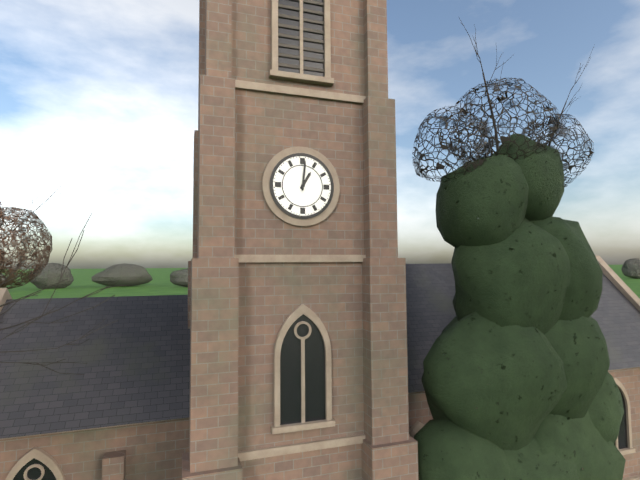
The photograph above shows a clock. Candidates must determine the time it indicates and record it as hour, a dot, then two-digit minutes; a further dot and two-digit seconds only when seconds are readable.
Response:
1.01
